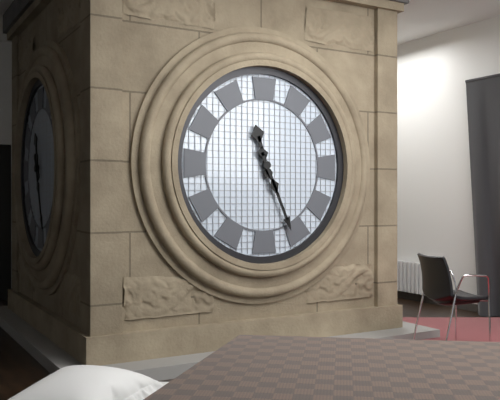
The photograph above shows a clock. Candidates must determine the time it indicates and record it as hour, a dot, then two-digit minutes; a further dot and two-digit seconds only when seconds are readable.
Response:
11.26
